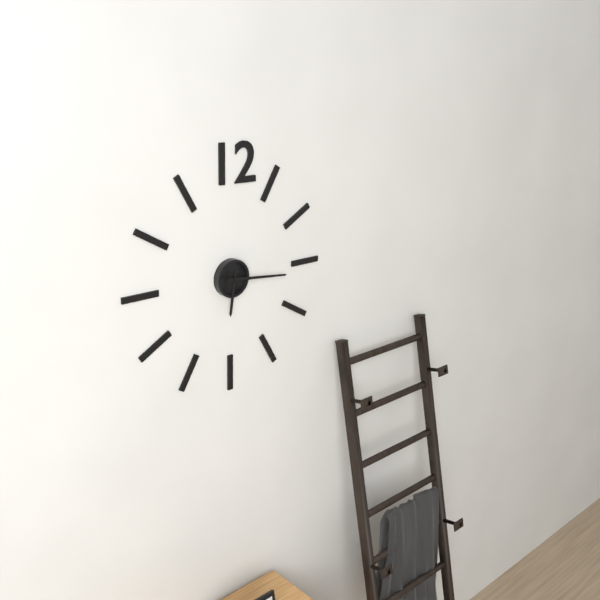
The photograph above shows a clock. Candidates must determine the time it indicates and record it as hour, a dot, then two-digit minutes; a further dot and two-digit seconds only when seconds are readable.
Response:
6.16
